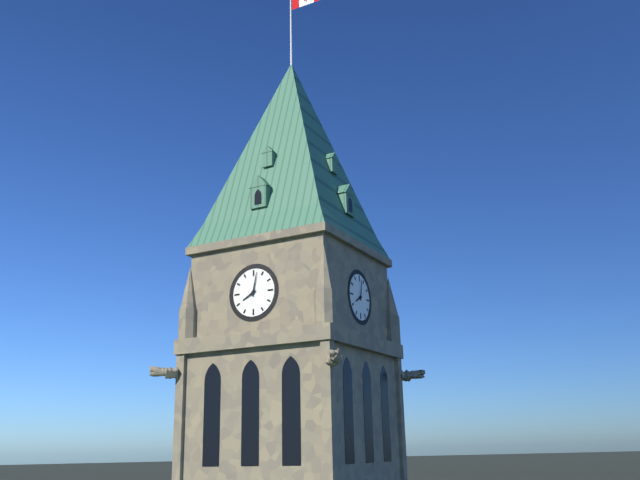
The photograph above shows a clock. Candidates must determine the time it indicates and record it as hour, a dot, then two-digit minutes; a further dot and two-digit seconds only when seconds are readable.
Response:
8.02
